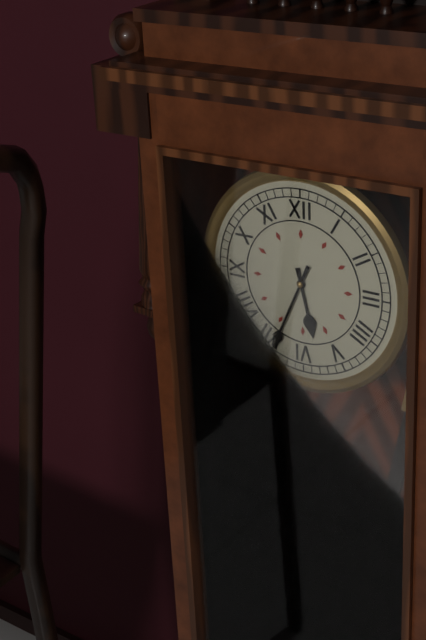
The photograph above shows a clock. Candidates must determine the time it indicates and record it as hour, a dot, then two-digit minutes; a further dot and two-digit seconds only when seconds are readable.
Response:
5.34
